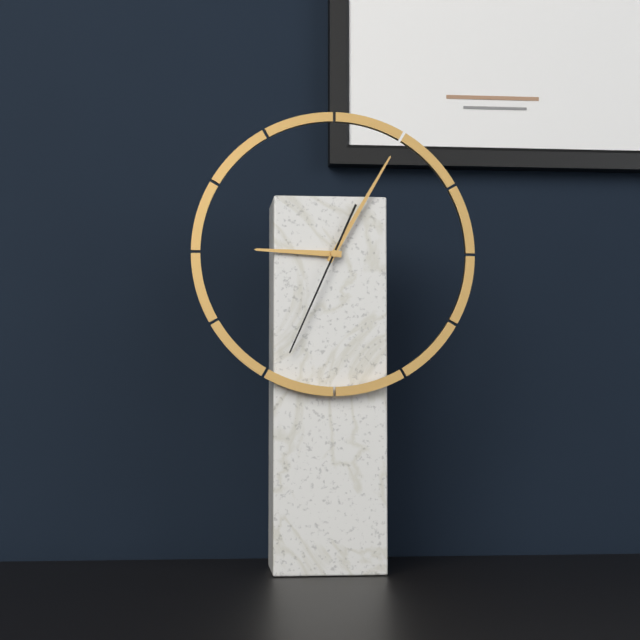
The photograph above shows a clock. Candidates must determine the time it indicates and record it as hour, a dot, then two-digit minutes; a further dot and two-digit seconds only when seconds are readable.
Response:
9.05.34
